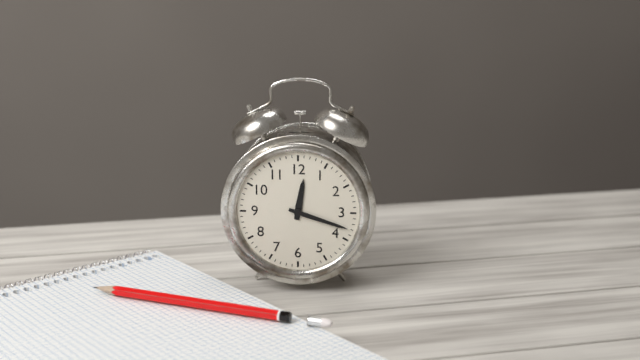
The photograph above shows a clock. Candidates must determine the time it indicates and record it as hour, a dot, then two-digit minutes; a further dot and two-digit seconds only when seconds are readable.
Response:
12.18
